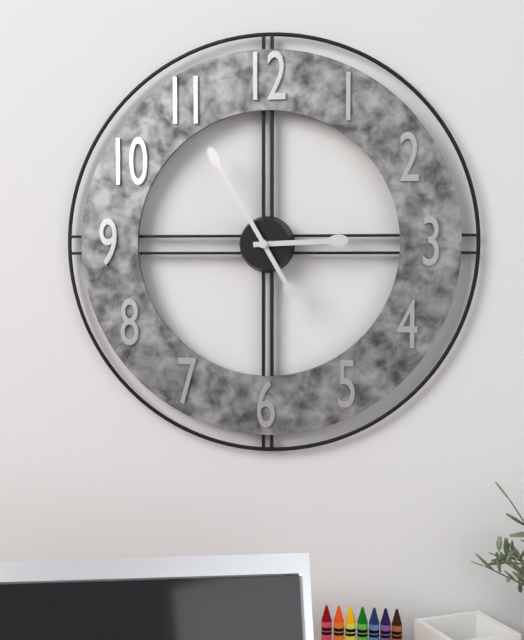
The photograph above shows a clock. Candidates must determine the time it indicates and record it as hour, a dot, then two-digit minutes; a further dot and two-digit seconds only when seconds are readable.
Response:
2.55
